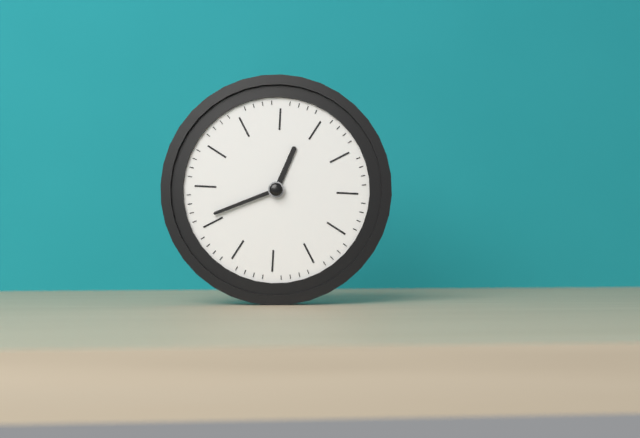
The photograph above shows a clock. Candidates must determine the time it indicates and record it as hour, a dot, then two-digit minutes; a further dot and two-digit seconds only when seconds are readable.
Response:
12.41
